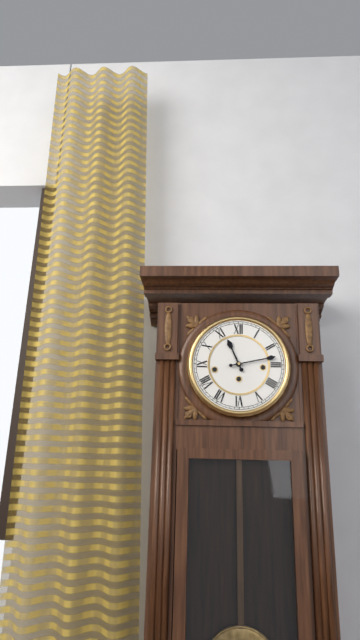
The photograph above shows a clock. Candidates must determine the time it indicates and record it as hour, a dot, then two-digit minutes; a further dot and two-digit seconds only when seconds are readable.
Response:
11.13
